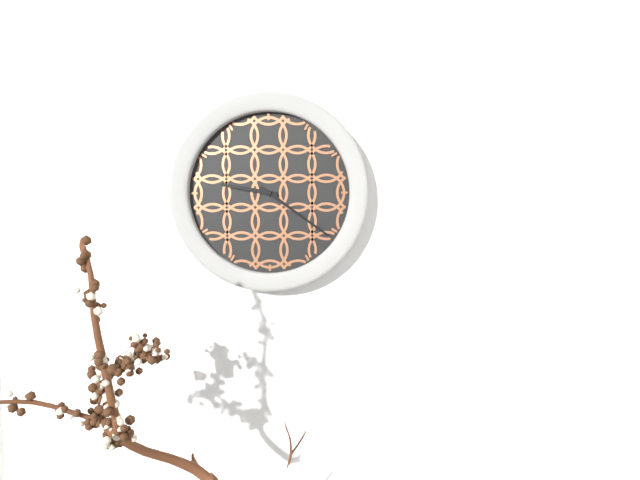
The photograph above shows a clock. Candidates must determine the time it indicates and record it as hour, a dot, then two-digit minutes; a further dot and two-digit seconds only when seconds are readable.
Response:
9.21
